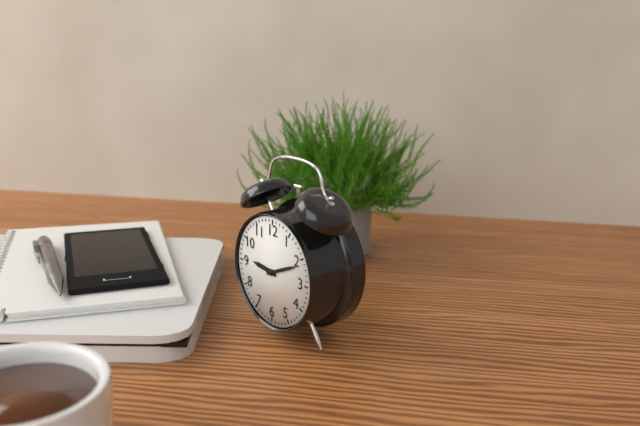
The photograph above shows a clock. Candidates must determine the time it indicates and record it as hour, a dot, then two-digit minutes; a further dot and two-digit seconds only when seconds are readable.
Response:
9.11
